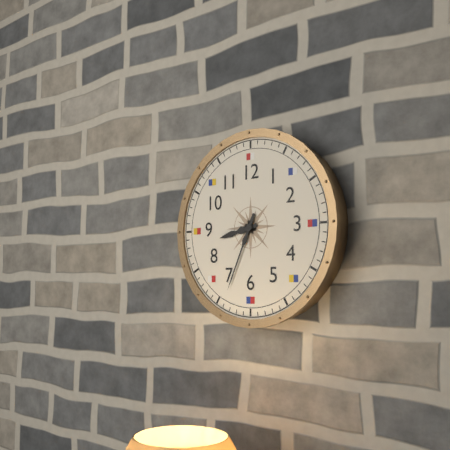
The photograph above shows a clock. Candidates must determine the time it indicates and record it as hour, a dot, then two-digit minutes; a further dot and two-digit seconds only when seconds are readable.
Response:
8.34
